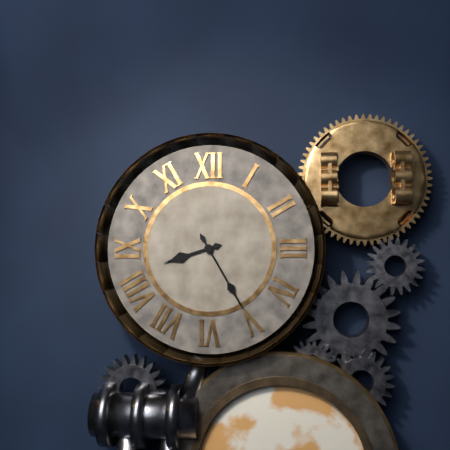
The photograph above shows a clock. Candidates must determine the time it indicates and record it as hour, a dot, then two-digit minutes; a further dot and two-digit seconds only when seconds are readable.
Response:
8.25
